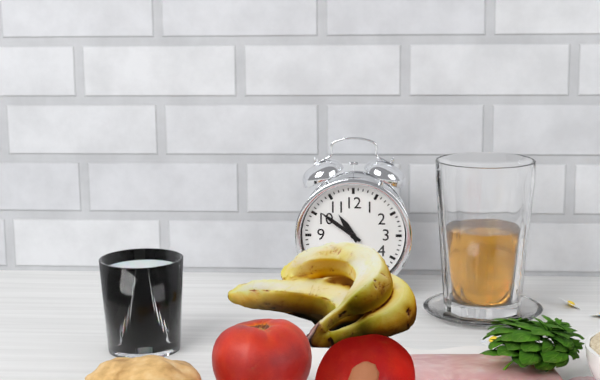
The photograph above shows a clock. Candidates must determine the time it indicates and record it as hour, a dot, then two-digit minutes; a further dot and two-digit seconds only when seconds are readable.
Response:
10.51
